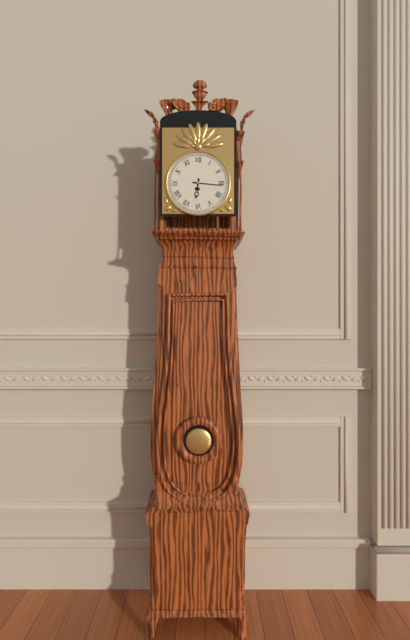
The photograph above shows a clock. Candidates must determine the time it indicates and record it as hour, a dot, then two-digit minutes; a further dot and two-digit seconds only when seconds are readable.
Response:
6.16
